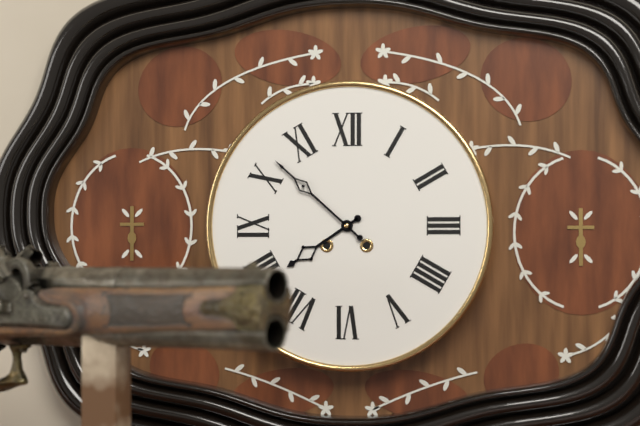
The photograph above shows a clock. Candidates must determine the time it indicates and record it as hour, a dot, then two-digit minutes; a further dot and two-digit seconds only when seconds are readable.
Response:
7.52
